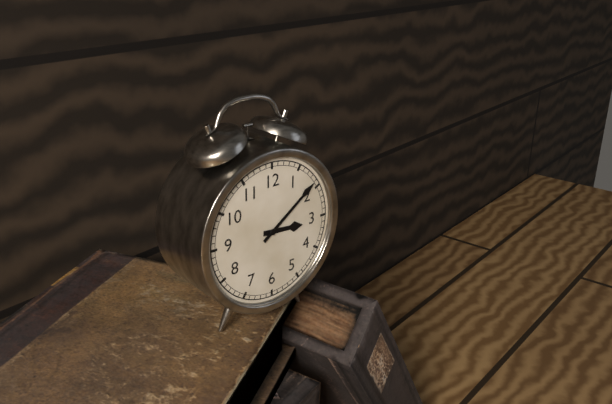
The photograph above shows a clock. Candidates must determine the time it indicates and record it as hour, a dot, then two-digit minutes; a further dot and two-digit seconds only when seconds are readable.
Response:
3.09
